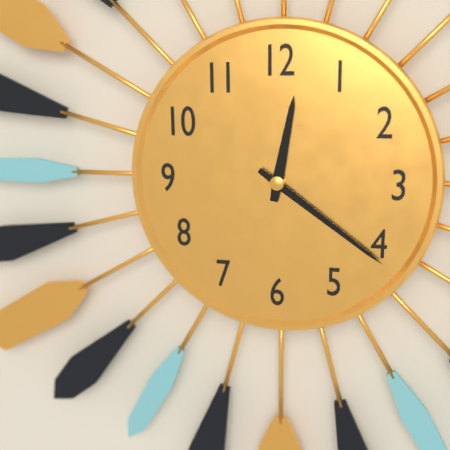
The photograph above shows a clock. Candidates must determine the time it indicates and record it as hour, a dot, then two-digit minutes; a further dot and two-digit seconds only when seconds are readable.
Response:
12.21
